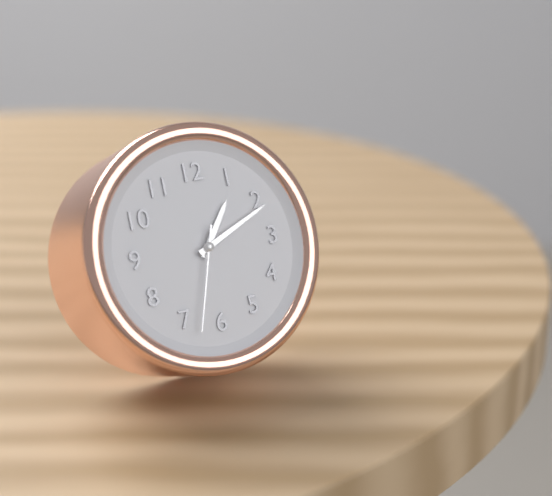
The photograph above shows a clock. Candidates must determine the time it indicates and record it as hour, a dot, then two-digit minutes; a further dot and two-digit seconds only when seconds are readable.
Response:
1.11.33
